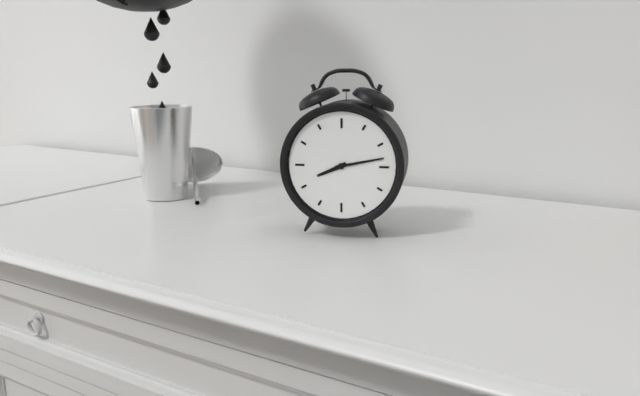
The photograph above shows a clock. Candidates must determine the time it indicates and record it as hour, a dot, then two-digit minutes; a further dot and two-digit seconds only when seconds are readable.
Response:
8.13
